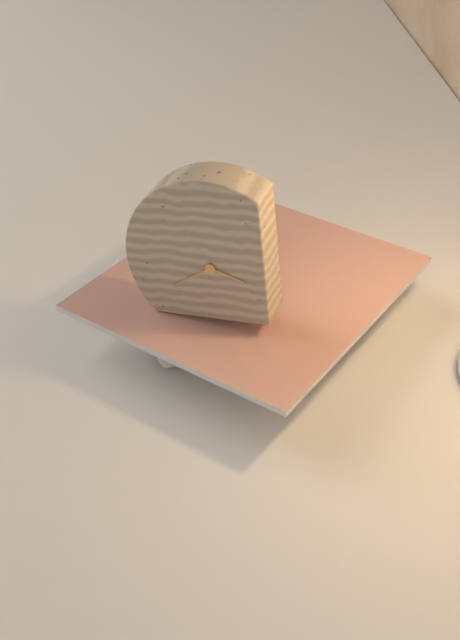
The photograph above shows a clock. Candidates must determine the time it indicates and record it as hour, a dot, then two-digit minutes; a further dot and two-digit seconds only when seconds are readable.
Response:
3.40
